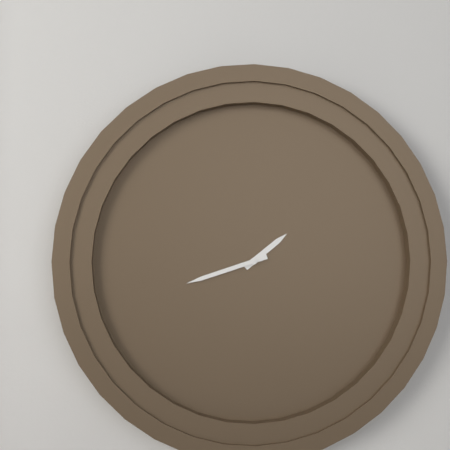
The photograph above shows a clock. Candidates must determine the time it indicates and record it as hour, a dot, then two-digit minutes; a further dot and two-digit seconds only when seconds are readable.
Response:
1.42
